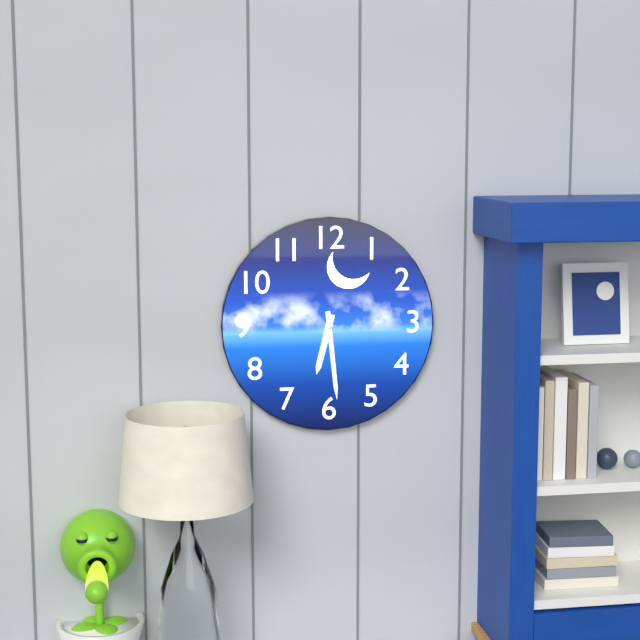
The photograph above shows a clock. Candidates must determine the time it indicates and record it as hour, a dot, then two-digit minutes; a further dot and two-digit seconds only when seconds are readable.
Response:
6.29
